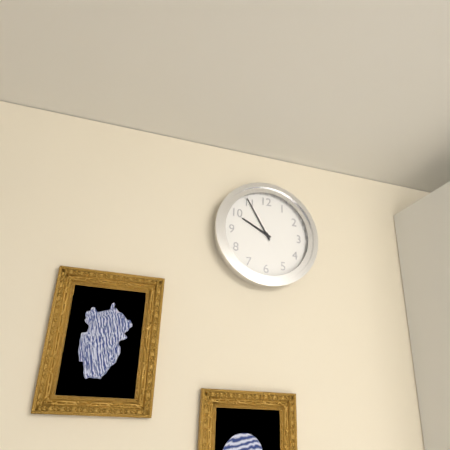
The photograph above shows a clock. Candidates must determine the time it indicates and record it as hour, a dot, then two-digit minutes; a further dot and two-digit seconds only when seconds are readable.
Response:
9.55
